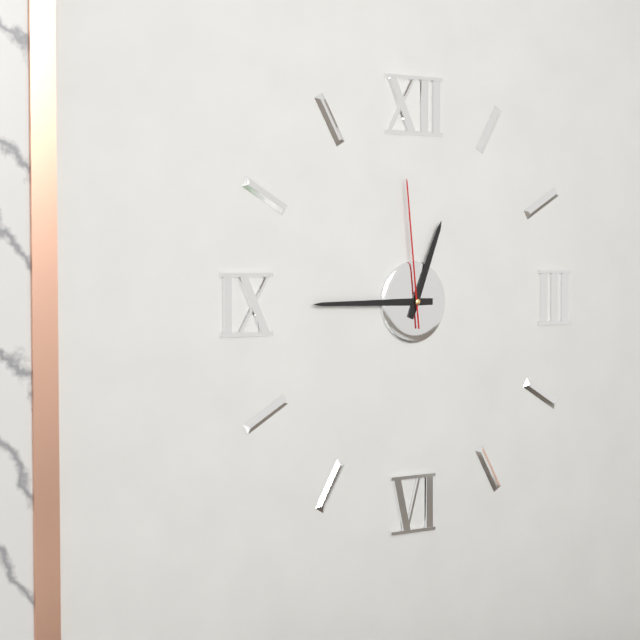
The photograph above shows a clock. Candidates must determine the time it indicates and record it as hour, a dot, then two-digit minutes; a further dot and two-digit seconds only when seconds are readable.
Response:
12.45.59
